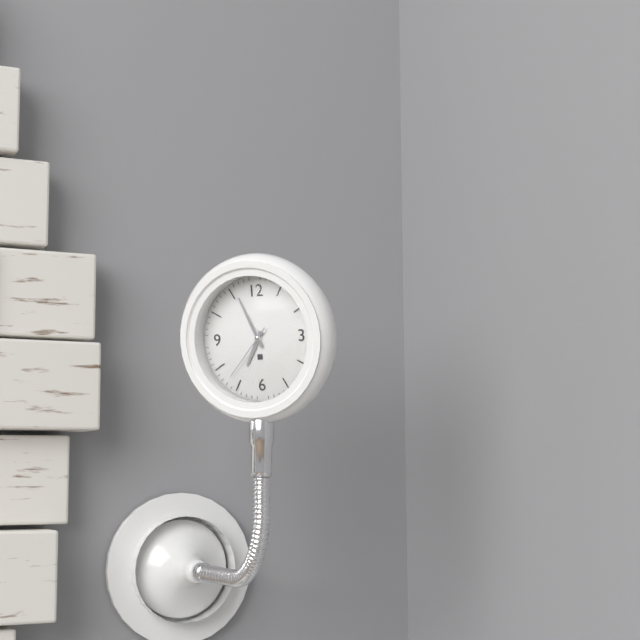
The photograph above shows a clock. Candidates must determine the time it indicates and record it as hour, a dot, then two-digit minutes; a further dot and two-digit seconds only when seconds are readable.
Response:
6.56.37
